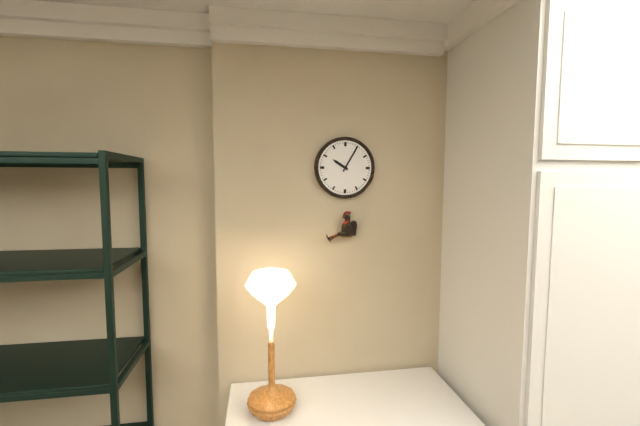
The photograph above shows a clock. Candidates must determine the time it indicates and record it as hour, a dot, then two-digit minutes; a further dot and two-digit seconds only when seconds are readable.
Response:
10.05
